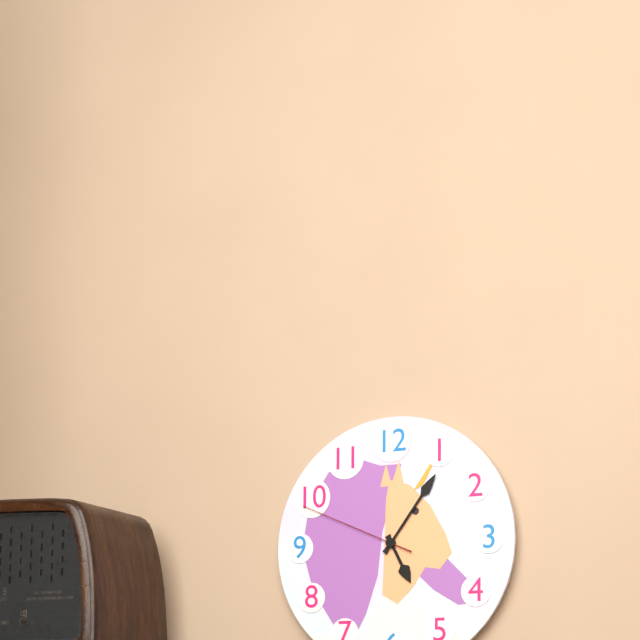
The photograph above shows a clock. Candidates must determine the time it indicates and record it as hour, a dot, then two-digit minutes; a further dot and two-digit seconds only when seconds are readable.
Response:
5.06.49
